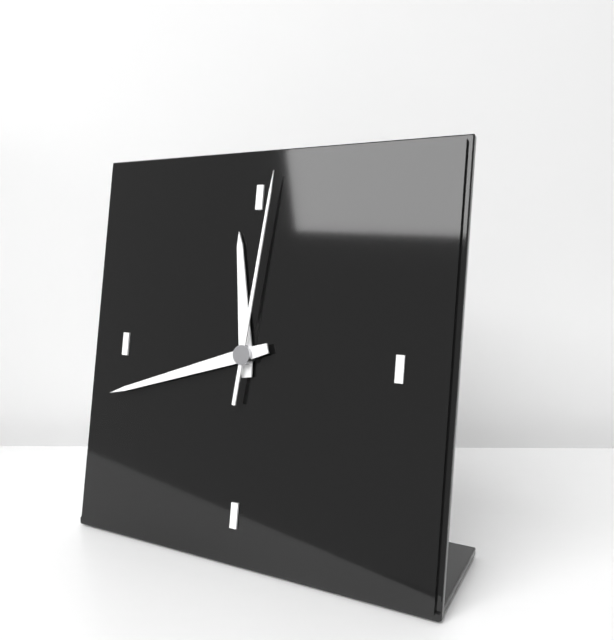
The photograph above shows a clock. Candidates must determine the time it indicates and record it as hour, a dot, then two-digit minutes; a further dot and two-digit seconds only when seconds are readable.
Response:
11.42.01
